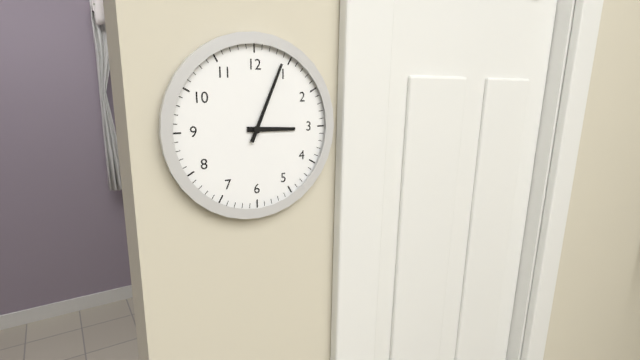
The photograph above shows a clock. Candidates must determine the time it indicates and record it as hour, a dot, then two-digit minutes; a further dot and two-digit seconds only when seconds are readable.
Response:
3.04
